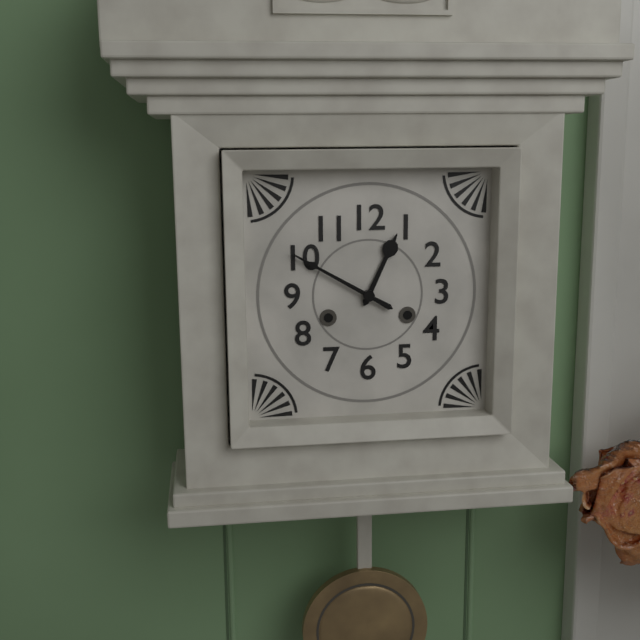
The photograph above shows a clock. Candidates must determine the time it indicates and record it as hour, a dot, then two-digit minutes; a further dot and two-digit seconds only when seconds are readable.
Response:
12.50
